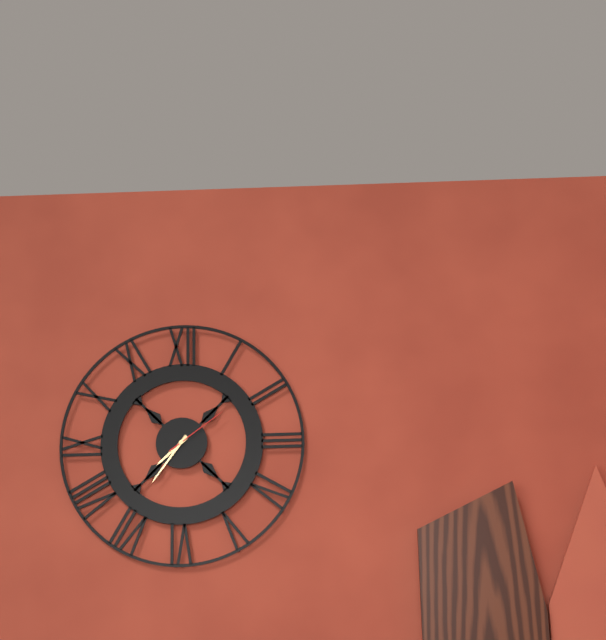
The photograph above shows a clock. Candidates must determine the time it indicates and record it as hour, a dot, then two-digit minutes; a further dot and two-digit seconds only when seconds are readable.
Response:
7.36.09
